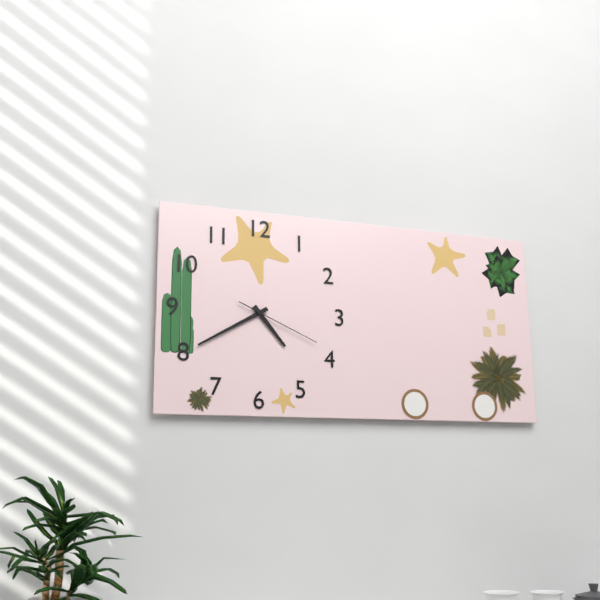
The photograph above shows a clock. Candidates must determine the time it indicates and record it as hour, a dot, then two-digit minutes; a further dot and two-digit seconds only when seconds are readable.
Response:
4.40.19
